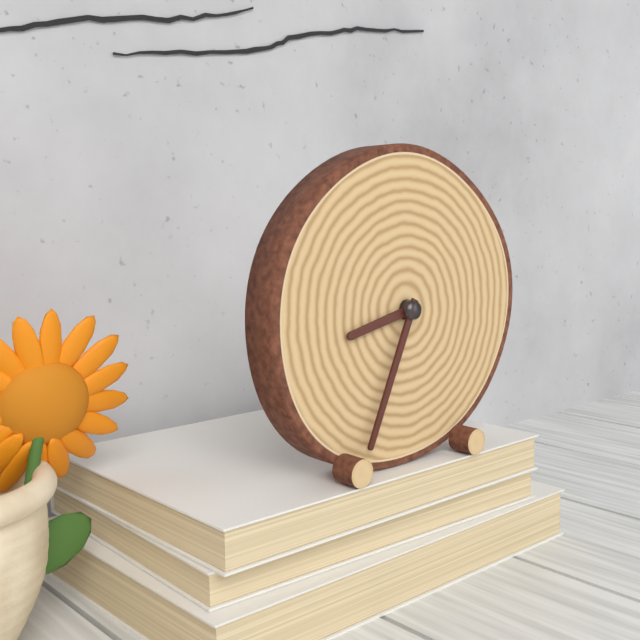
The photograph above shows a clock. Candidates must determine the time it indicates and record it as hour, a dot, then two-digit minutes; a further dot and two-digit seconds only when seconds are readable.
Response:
8.34
